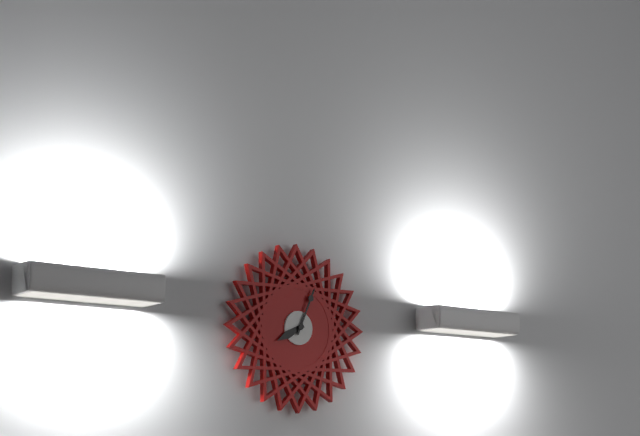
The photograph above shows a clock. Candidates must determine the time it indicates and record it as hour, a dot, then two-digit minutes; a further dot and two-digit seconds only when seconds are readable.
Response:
8.04
